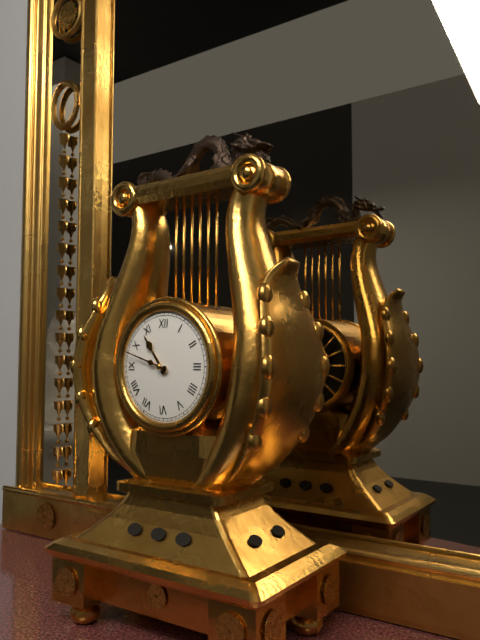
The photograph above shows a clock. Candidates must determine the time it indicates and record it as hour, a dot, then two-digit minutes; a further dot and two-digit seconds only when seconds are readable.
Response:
10.48
